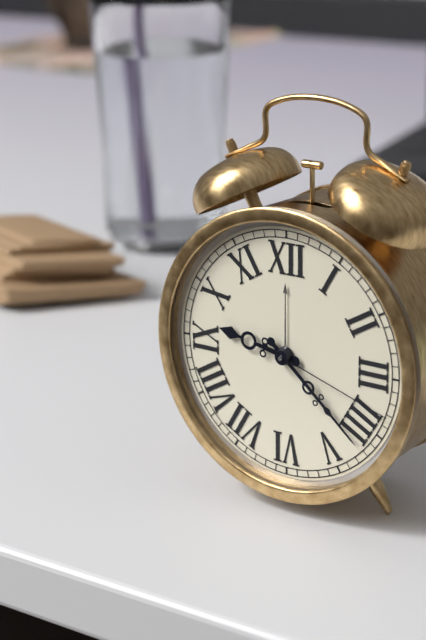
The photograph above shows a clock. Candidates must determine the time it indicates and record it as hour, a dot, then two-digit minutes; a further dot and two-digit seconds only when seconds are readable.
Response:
9.22.18
